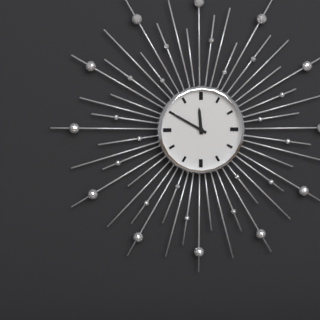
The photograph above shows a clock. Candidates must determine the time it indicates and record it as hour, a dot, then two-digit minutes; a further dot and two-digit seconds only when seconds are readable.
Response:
11.50
